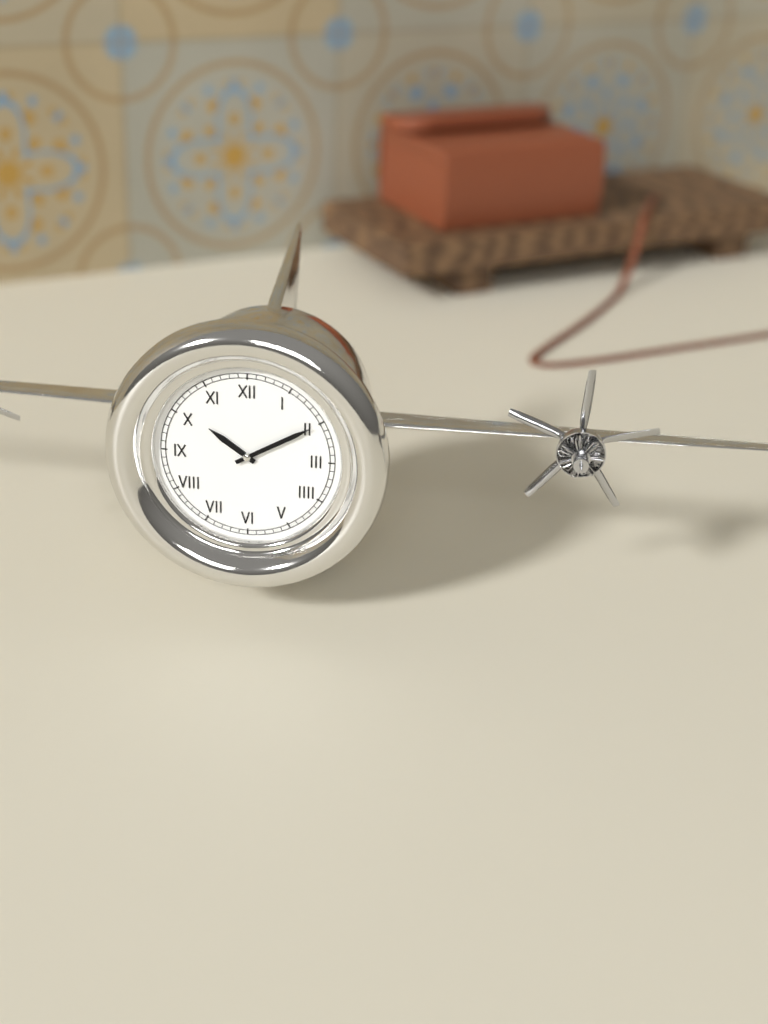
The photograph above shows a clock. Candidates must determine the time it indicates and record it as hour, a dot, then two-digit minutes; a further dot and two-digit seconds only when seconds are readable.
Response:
10.10
